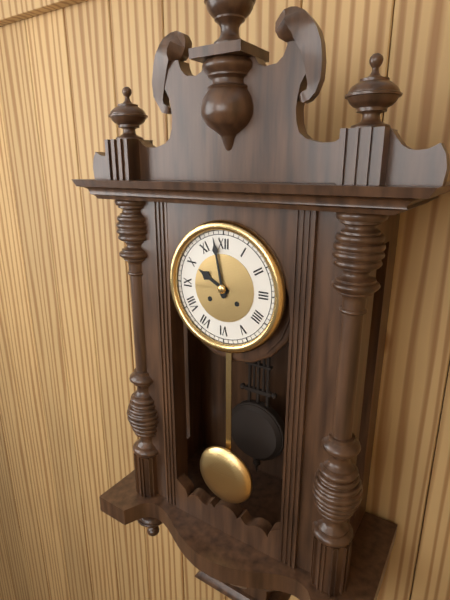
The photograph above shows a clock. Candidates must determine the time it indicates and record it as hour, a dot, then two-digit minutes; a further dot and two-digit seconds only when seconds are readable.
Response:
9.58
